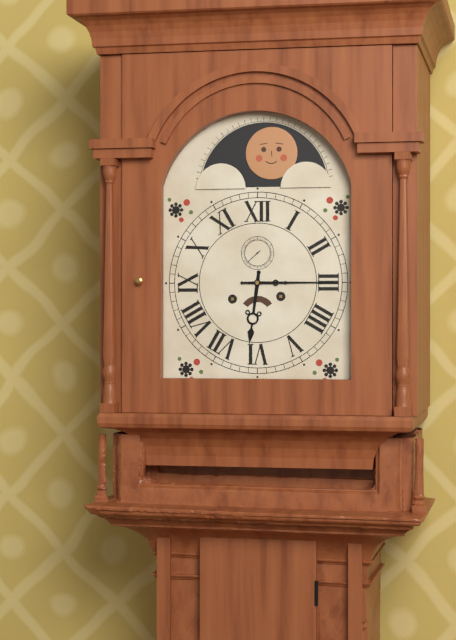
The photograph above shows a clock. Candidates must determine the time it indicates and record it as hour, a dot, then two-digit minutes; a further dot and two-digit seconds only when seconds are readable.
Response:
6.15
